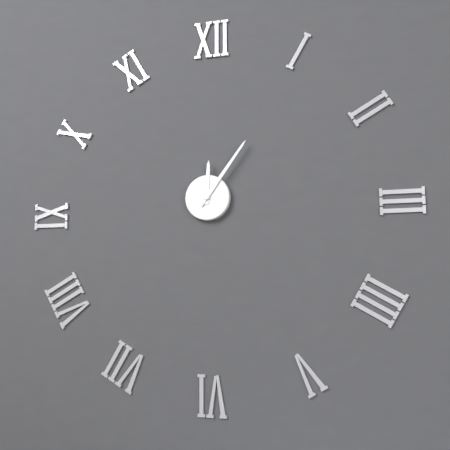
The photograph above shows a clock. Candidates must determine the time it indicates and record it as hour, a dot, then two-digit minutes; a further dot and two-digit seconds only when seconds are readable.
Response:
12.06
